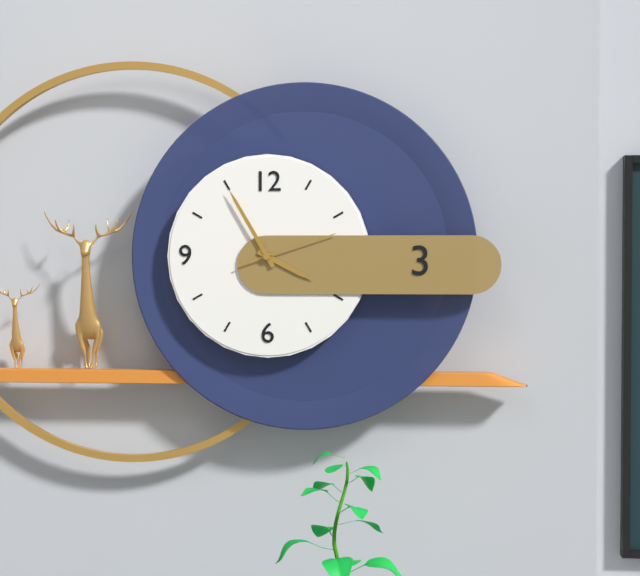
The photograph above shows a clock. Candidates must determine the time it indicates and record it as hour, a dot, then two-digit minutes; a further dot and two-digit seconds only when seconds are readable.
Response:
3.55.12
